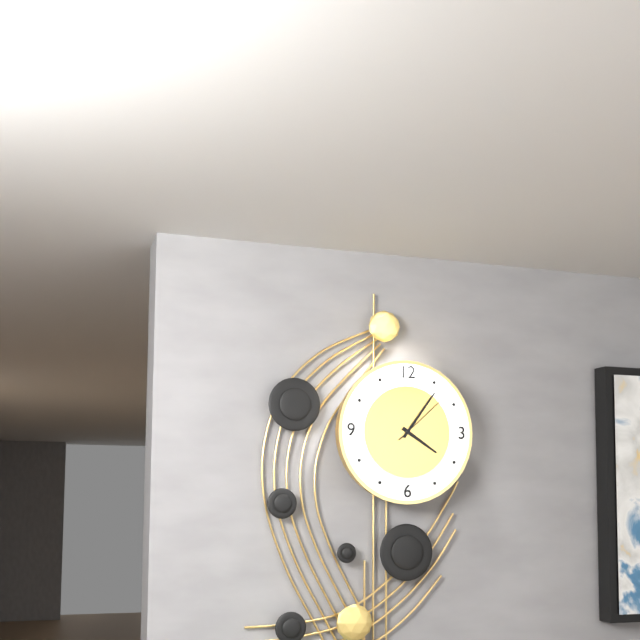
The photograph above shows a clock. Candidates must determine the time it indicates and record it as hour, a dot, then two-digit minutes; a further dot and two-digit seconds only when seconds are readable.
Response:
4.06.08
